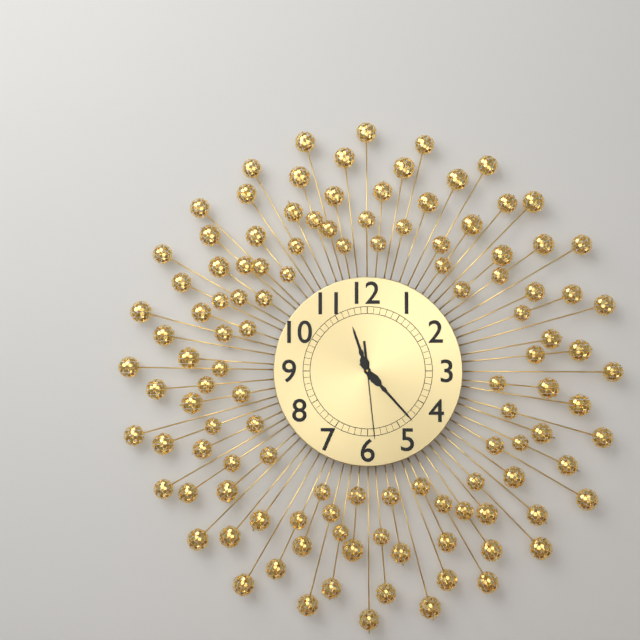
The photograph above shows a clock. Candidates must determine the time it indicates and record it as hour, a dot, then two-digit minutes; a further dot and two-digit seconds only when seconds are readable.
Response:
11.23.29
